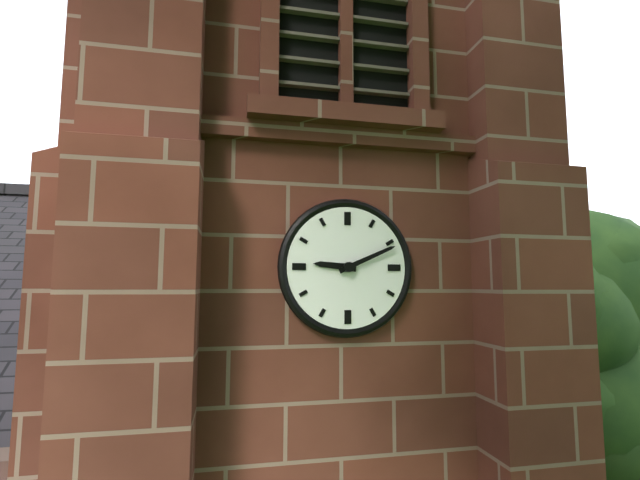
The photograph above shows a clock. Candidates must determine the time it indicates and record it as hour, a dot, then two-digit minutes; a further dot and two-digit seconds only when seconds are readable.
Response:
9.11
